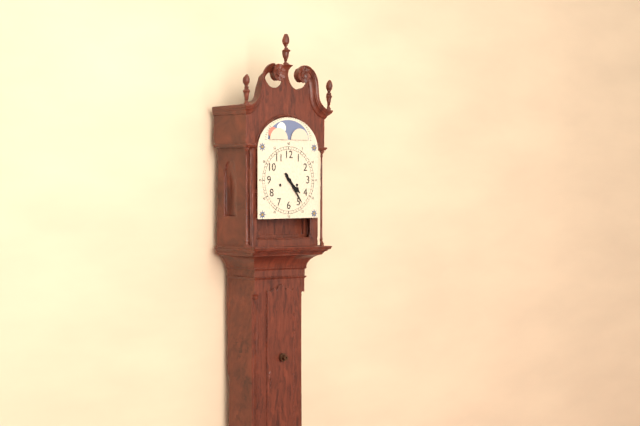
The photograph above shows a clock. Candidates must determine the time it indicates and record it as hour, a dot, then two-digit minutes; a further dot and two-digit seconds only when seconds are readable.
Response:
4.24
